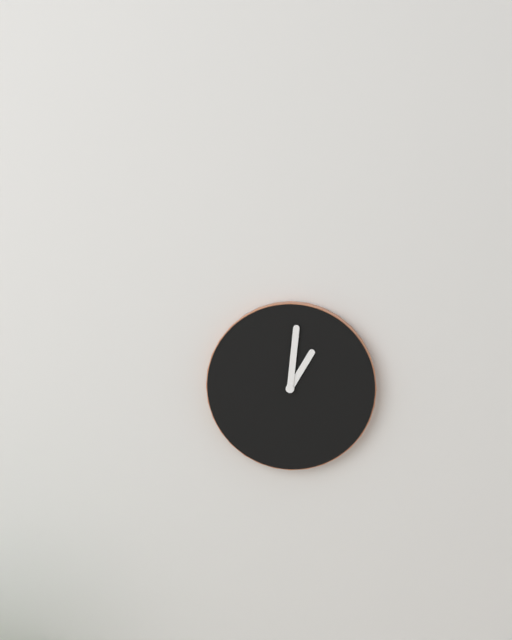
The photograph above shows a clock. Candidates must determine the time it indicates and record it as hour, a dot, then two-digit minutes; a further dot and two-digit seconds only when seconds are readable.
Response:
1.01
